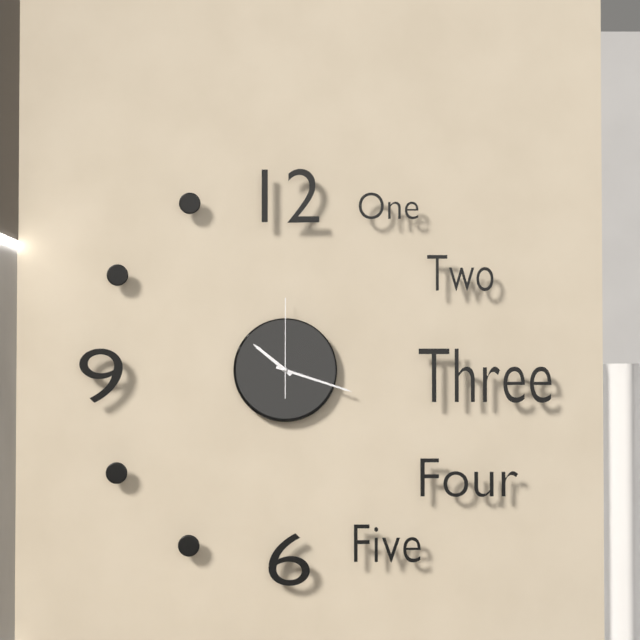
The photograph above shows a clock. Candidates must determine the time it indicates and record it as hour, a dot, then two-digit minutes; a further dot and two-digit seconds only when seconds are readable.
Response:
10.18.00
